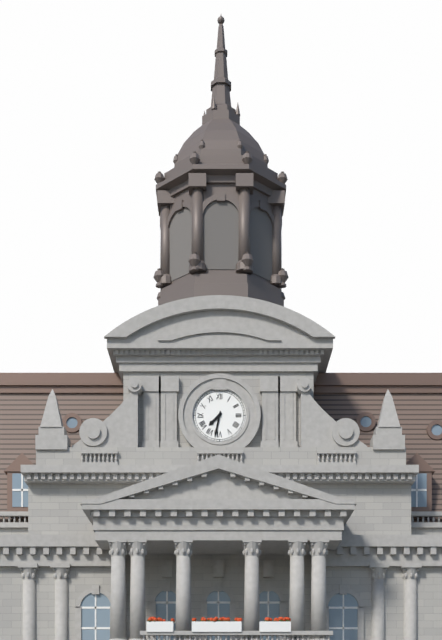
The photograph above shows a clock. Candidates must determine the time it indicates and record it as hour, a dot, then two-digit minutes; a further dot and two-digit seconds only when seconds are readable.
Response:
7.32
